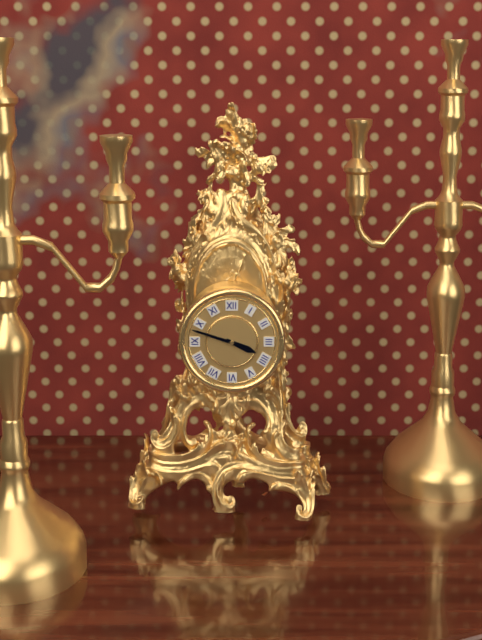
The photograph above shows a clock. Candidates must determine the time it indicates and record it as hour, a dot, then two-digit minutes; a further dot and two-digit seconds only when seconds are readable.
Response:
3.48
